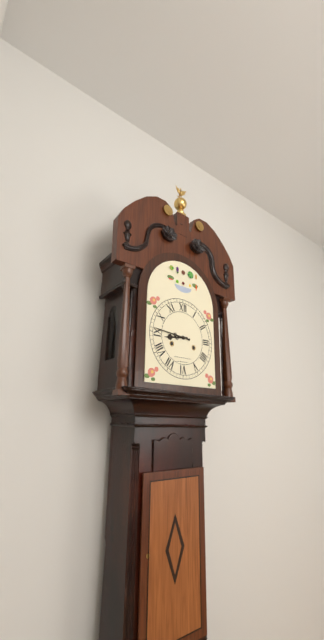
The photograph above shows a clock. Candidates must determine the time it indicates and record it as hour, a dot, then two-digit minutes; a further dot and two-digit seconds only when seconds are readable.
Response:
8.46
